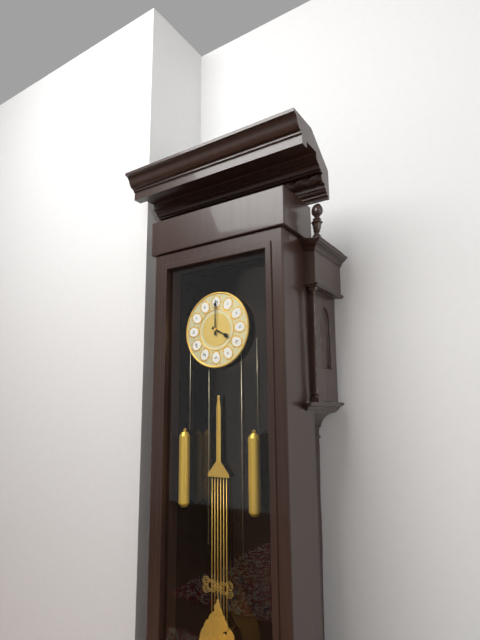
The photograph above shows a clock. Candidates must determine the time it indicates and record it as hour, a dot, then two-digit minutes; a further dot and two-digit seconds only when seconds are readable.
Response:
4.00
